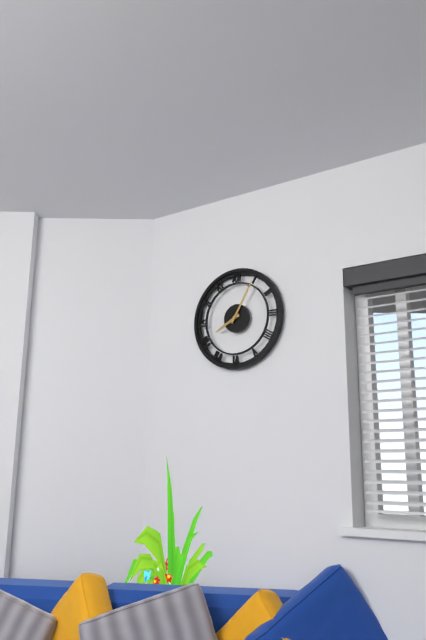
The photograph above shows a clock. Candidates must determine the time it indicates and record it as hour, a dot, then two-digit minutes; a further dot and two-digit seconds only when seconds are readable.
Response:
8.05
